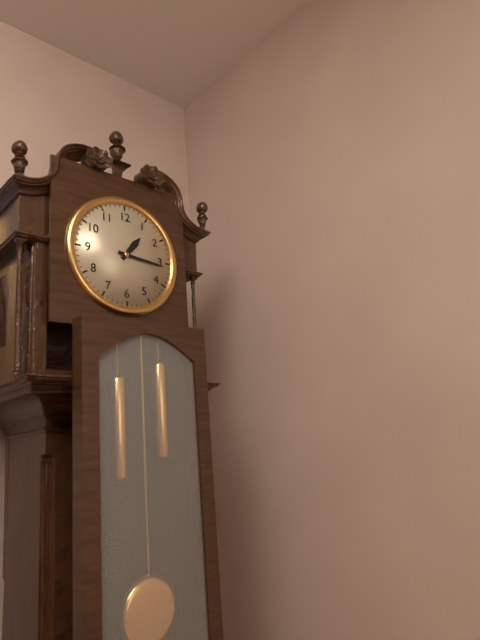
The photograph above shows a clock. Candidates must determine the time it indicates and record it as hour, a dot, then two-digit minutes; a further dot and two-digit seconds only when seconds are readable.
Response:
1.16
